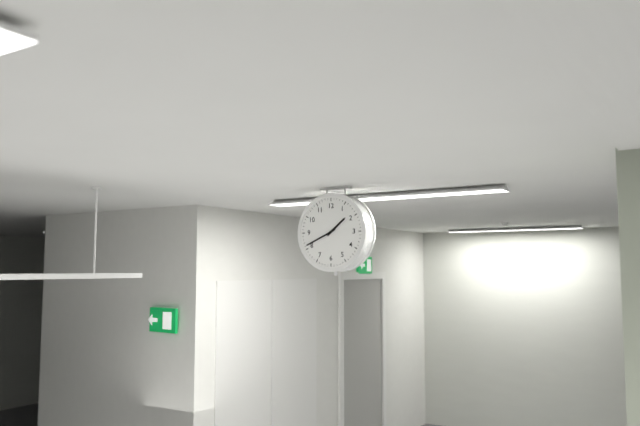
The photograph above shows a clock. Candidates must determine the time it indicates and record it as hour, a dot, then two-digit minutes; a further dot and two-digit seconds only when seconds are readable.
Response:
1.41
